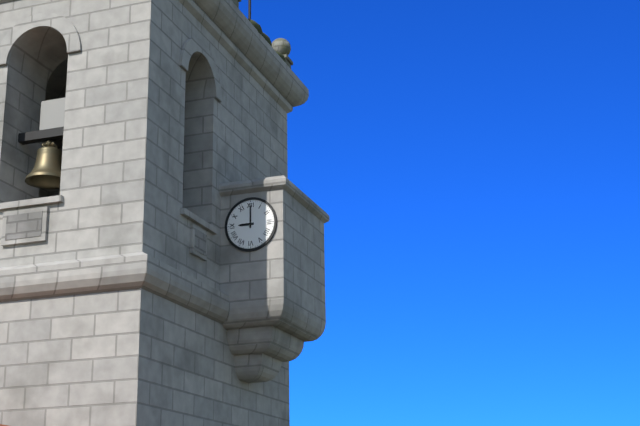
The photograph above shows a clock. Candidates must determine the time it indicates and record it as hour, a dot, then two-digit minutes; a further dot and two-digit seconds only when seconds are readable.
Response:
9.00
